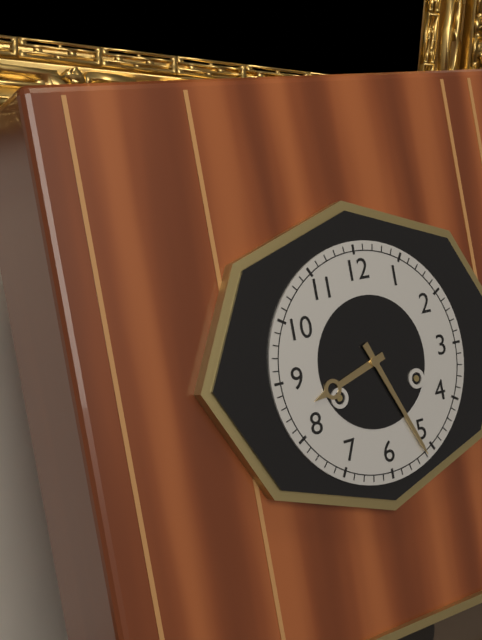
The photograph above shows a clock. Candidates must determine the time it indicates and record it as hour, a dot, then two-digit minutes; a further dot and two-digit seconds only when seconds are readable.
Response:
8.26
